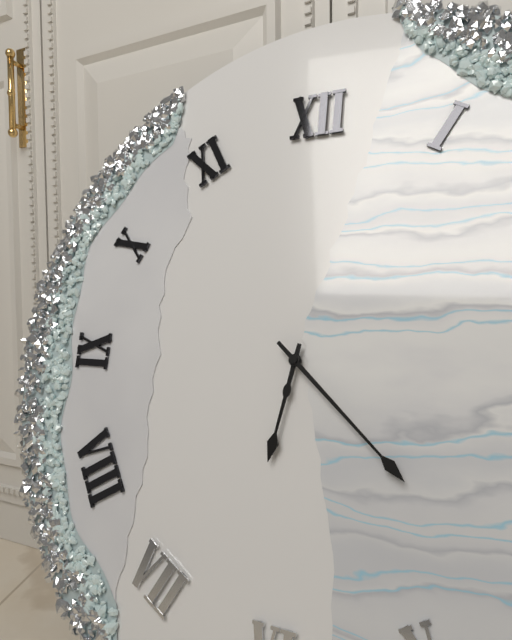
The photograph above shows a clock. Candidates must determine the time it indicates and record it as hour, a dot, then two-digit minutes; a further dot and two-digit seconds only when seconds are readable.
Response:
6.22
